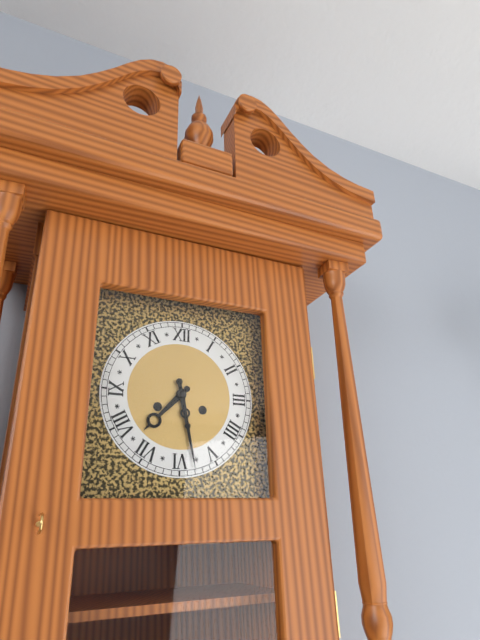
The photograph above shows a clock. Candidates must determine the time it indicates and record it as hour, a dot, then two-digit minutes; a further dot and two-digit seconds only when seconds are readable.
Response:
7.28
